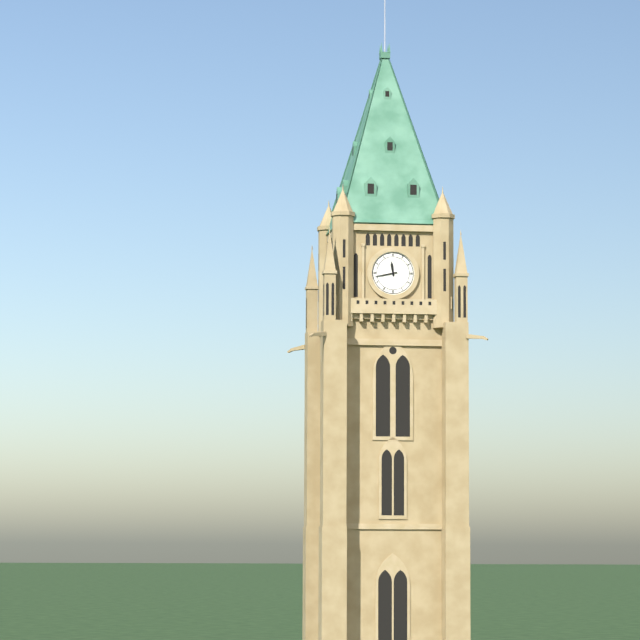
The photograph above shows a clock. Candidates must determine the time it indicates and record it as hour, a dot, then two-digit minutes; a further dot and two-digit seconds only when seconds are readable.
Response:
11.43
